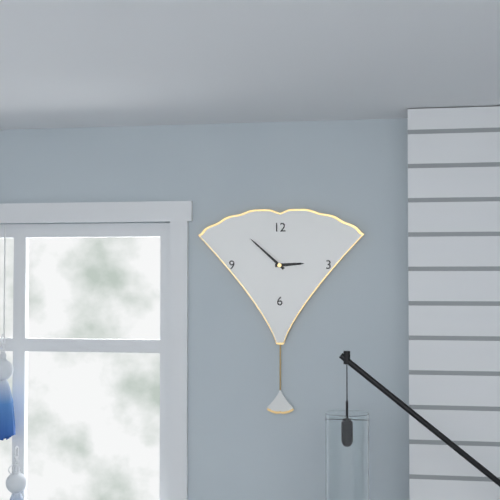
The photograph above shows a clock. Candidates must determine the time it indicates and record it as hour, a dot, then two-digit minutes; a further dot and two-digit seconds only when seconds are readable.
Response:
2.52
